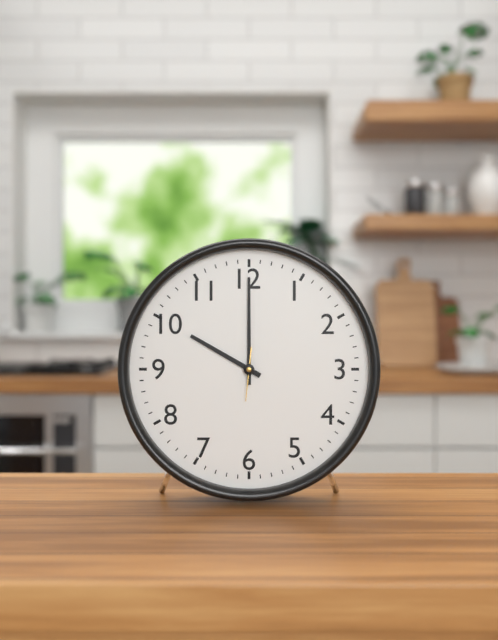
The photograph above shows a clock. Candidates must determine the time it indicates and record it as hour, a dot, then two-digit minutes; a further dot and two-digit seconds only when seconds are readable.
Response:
10.00
